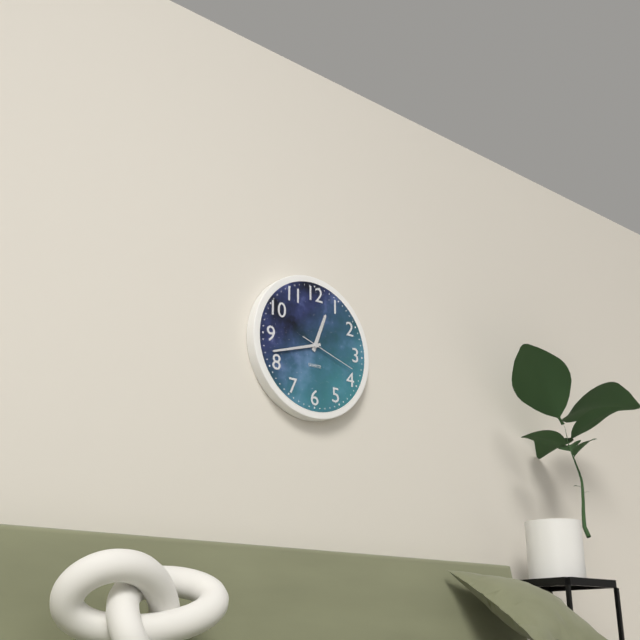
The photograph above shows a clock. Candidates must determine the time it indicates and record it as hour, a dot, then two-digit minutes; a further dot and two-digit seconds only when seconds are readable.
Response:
12.42.18
